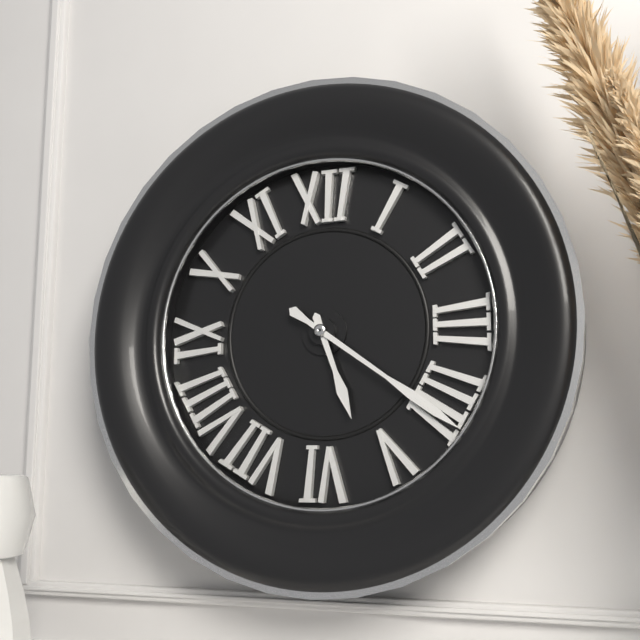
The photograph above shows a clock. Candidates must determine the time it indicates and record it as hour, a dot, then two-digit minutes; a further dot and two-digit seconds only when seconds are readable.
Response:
5.21
